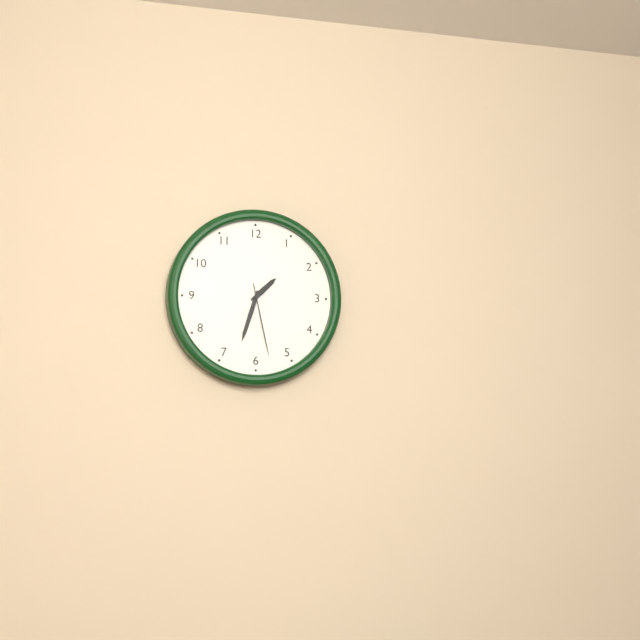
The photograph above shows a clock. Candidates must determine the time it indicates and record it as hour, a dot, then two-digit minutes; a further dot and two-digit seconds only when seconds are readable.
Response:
1.33.28
